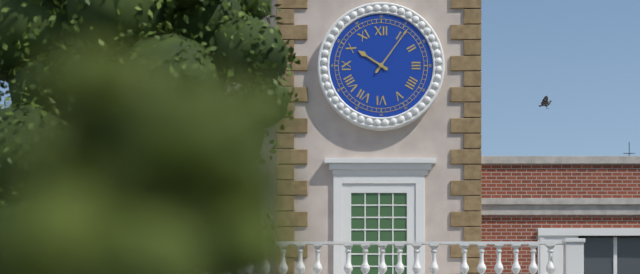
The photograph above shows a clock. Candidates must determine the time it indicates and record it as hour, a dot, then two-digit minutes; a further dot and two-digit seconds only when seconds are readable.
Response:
10.06
